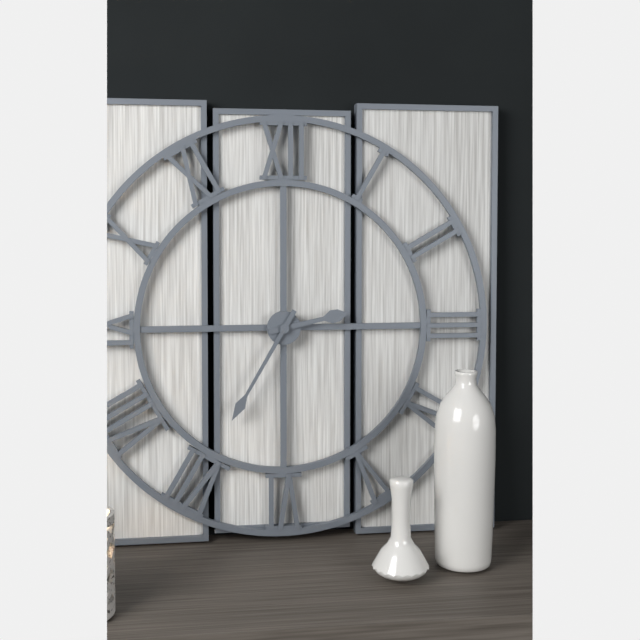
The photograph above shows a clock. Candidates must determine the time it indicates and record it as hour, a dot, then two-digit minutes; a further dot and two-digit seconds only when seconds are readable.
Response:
2.35
